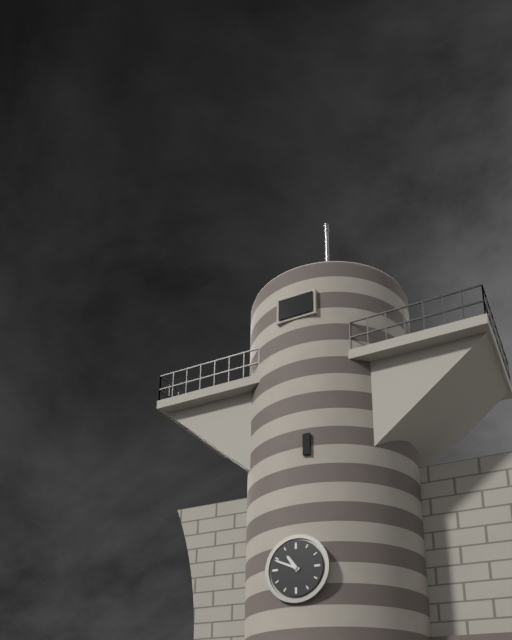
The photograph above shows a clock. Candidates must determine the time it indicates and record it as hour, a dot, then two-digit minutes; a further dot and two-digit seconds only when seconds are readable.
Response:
10.49
